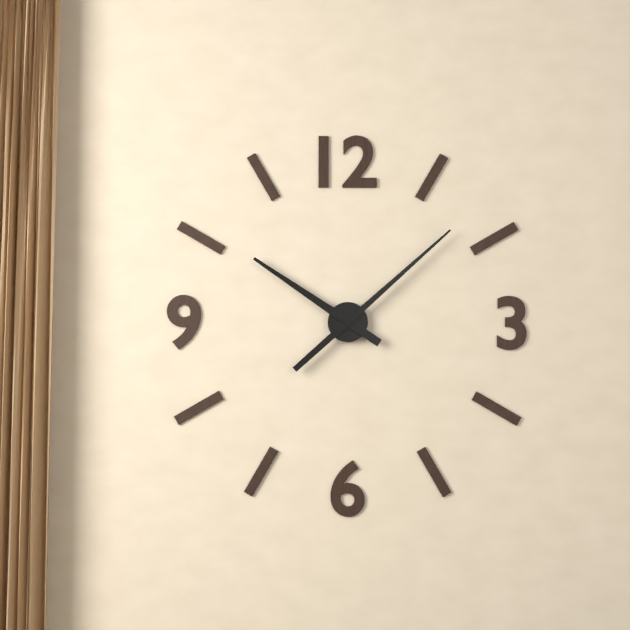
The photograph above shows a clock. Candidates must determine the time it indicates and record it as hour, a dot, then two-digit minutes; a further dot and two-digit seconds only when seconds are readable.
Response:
10.08
